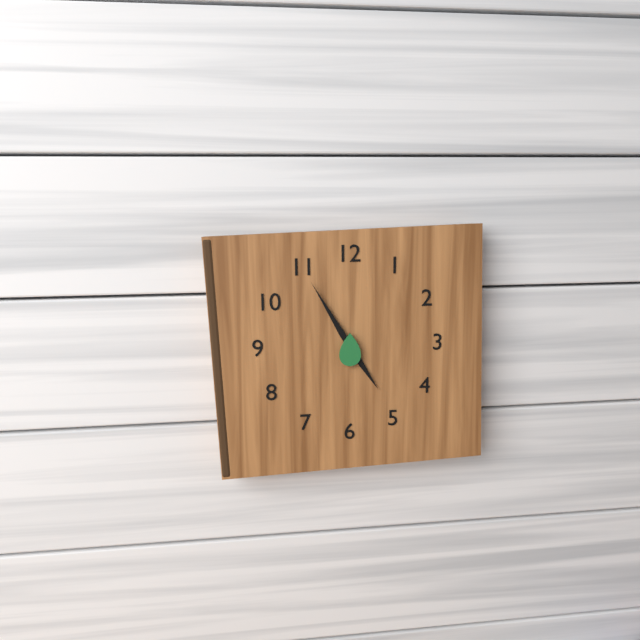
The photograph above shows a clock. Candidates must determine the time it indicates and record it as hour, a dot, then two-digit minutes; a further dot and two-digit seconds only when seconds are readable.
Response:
4.55
